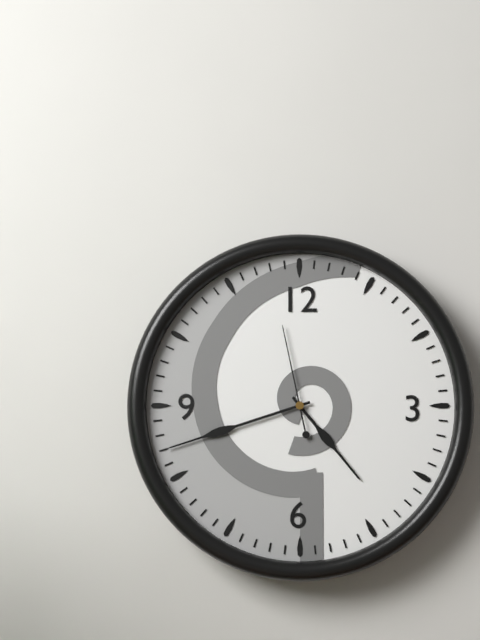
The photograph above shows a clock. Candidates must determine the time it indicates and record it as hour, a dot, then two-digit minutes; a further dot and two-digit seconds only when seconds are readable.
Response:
4.42.58
